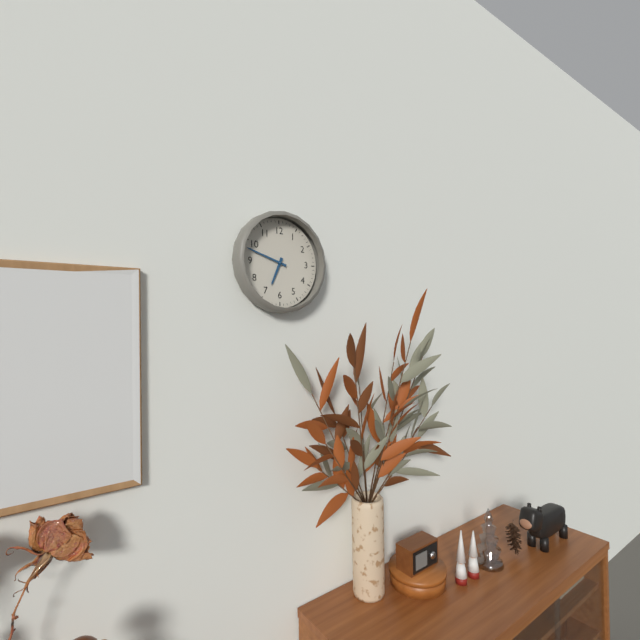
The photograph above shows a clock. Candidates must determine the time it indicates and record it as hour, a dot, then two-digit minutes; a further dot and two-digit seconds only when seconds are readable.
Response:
6.48
